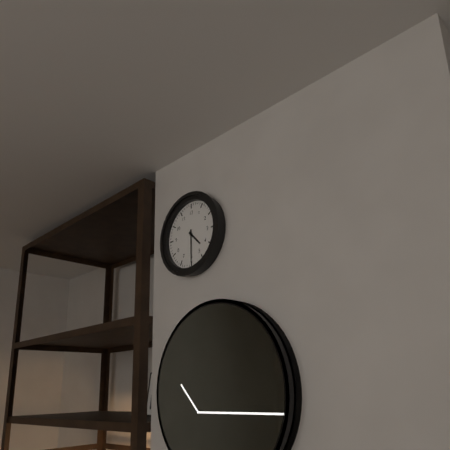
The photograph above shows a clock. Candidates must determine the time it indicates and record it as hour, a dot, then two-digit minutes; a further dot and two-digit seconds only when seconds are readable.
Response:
4.30
